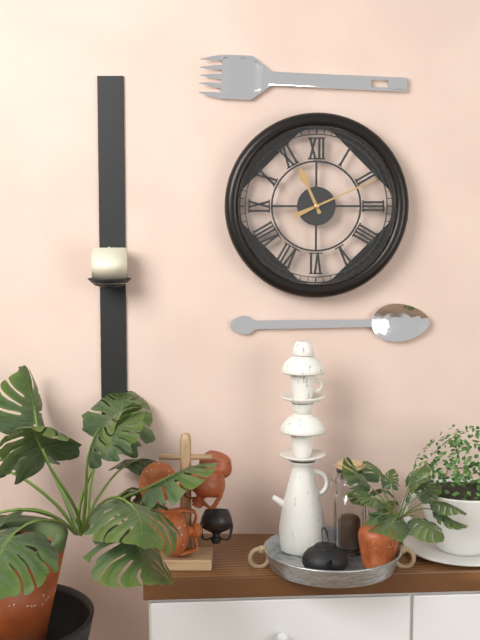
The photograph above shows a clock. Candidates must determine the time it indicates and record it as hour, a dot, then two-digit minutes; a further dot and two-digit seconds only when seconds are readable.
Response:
11.11
